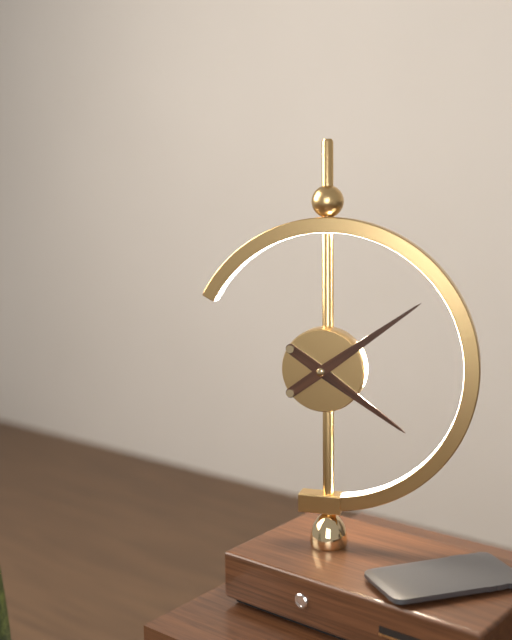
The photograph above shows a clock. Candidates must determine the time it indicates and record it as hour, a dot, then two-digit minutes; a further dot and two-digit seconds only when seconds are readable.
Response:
4.09
